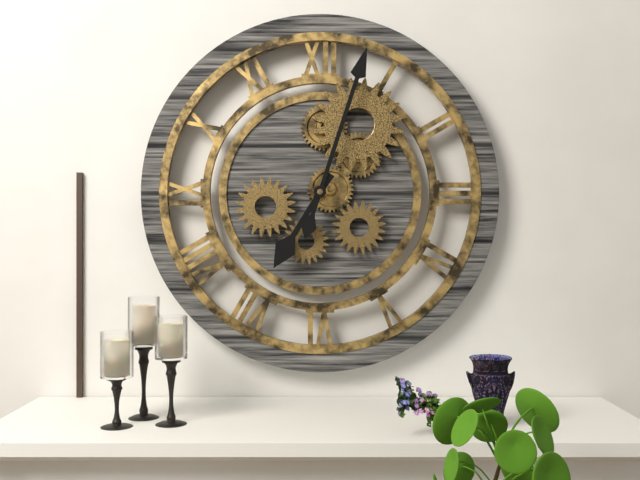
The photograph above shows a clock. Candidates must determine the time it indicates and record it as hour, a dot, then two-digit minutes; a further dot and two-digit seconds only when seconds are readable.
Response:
7.03
